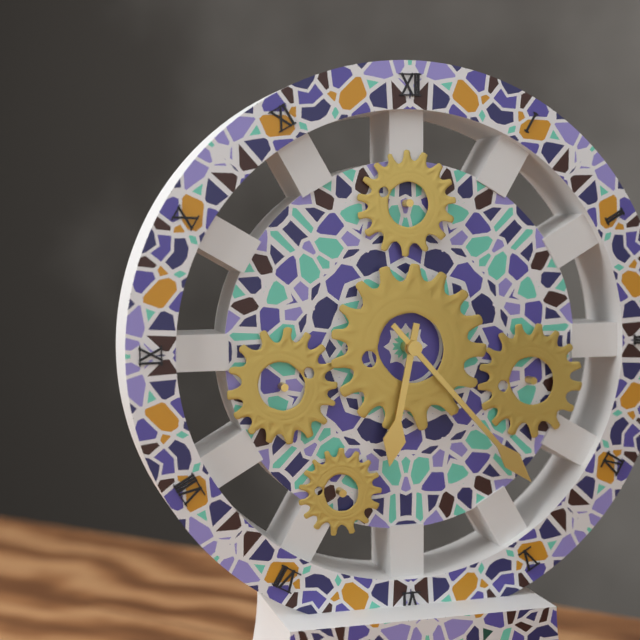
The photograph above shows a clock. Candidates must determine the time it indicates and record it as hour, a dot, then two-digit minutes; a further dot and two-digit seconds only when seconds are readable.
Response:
6.23
